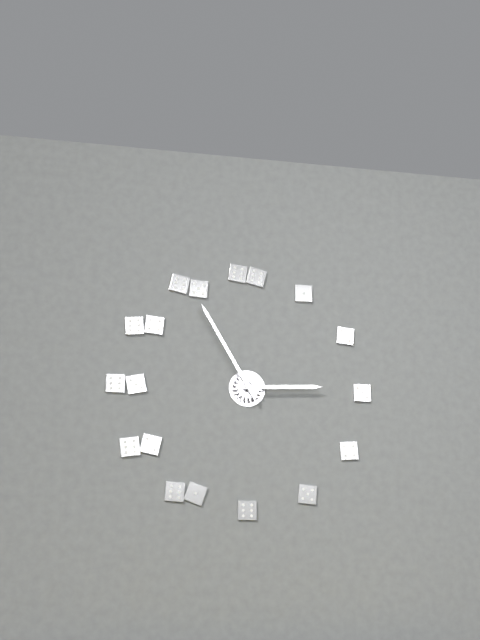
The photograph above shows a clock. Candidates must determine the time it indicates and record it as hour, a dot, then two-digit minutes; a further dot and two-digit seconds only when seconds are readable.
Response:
2.55
